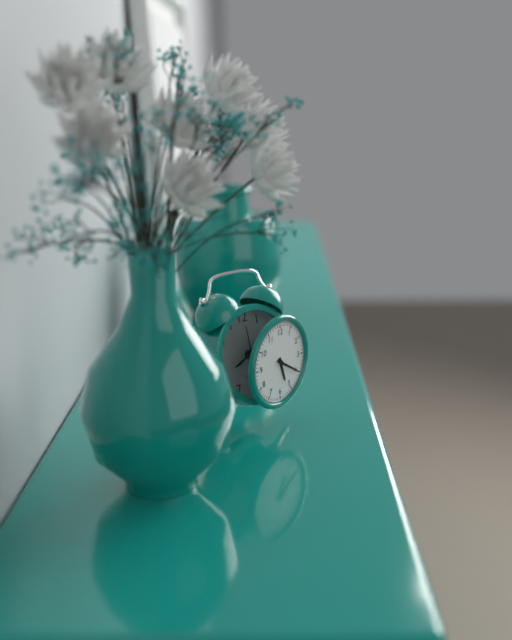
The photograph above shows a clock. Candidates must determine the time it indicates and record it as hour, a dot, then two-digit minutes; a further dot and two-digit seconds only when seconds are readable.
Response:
5.20
